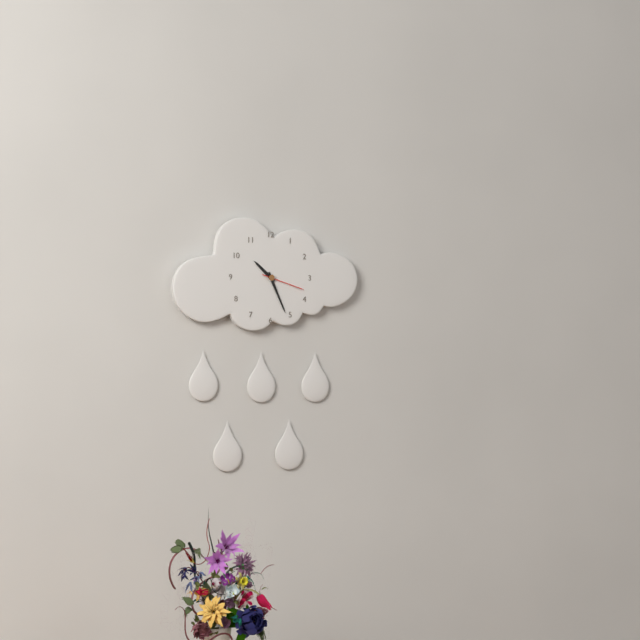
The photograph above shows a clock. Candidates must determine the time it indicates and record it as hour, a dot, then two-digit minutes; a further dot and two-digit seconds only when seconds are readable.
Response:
10.26
